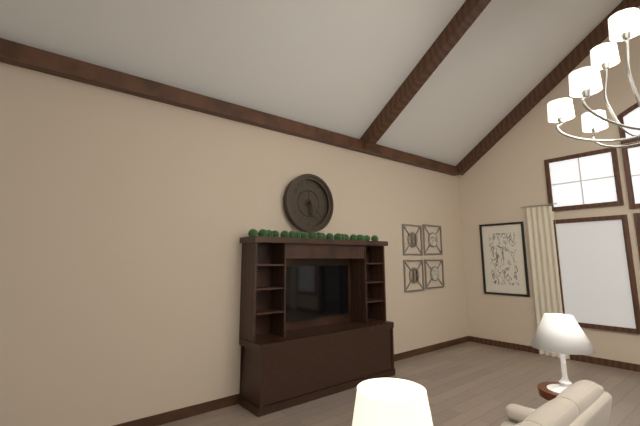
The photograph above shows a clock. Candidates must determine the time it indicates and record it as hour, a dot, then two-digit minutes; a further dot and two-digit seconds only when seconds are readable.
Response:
5.23
